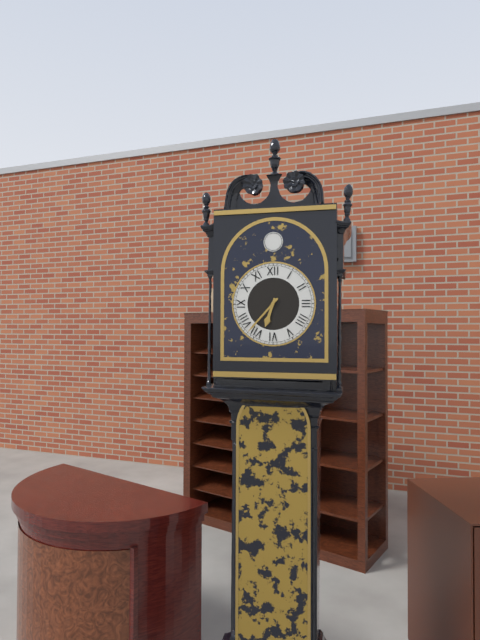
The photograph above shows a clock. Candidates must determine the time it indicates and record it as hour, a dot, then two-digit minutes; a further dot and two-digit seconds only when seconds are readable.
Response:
6.37
